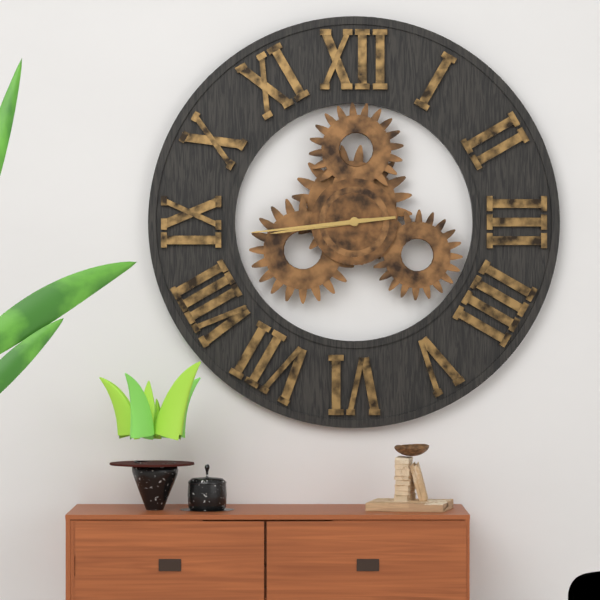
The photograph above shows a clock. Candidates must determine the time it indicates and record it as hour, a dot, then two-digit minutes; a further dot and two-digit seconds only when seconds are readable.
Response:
8.44
